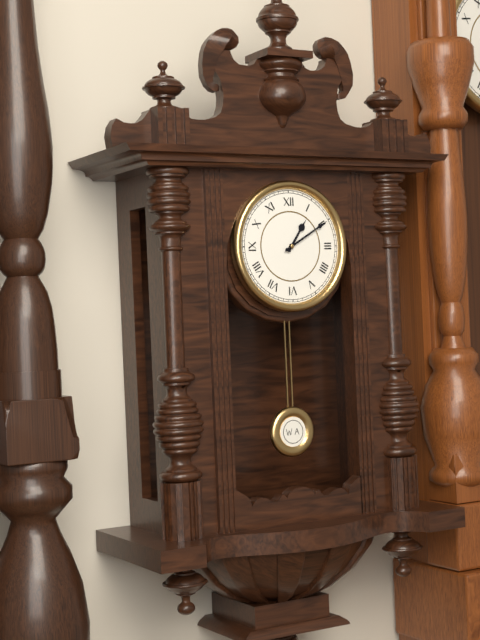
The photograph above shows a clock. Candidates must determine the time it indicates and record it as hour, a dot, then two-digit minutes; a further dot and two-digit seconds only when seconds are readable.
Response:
1.10
